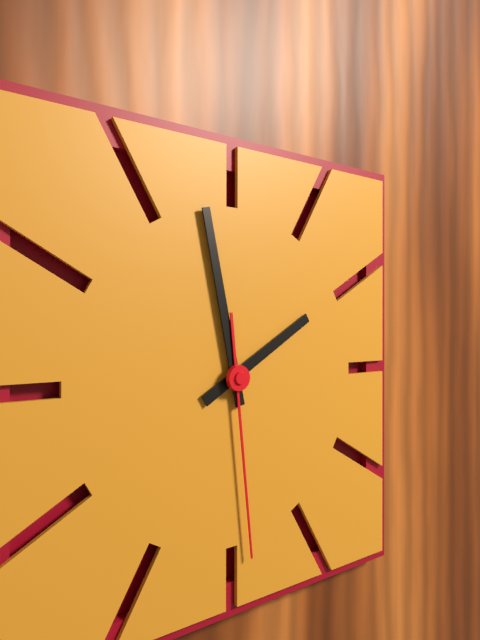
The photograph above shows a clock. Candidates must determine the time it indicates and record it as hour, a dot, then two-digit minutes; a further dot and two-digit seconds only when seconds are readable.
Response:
1.58.29
